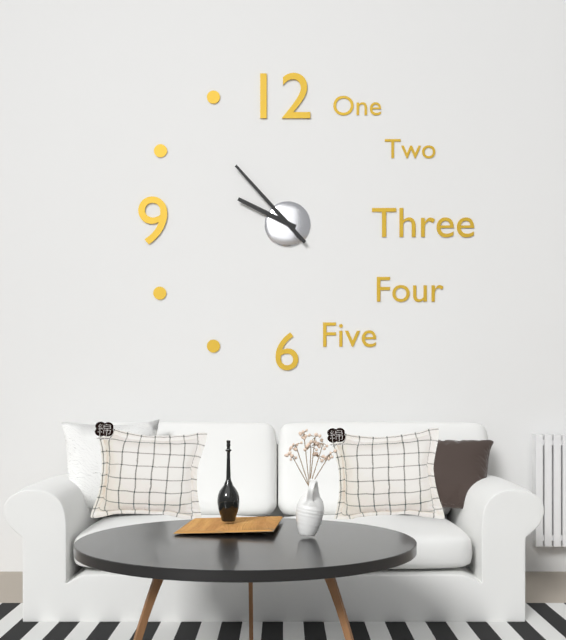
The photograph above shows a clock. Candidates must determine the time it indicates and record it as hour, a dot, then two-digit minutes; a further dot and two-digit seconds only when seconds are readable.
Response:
9.53
